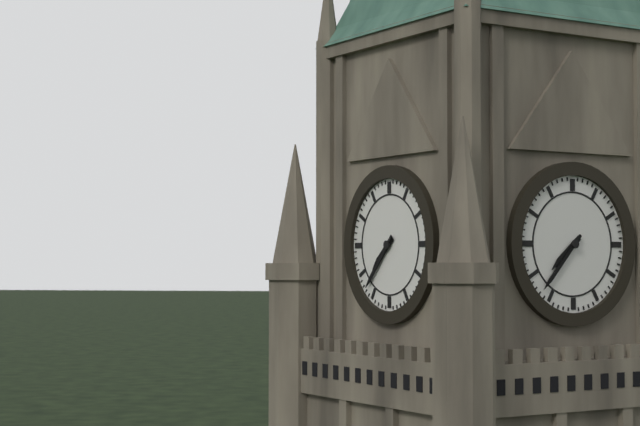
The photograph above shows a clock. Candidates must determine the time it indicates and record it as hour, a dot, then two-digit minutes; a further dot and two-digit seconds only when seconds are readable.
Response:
7.37
